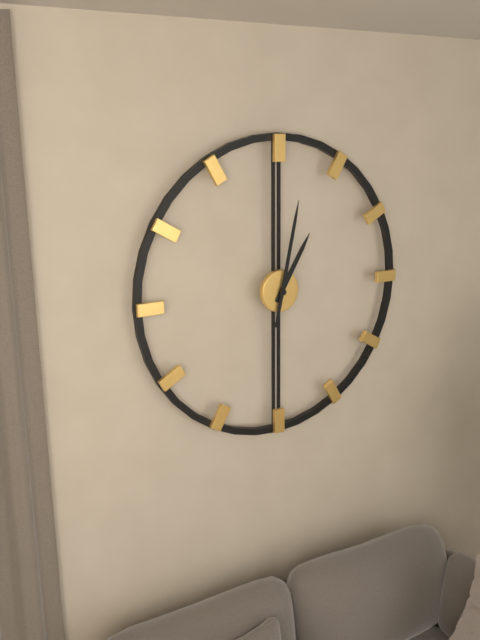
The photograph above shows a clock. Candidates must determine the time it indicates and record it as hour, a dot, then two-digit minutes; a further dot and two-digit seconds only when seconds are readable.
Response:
1.02
